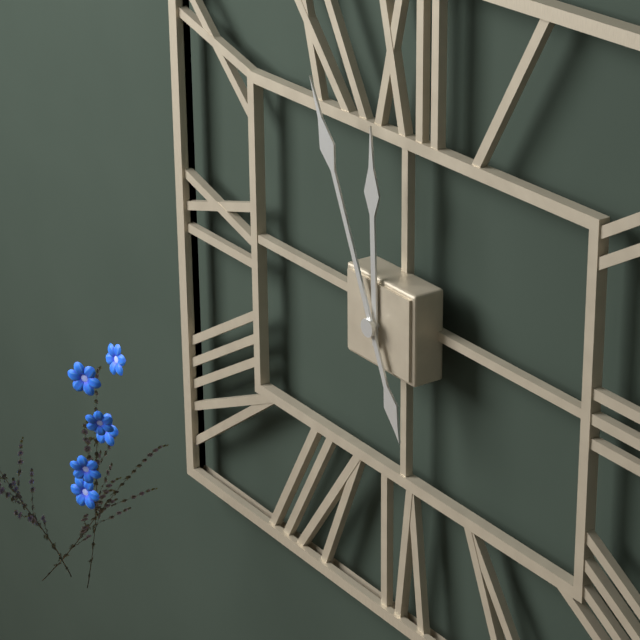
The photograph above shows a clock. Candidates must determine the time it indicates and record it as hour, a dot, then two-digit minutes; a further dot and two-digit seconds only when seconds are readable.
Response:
11.56
